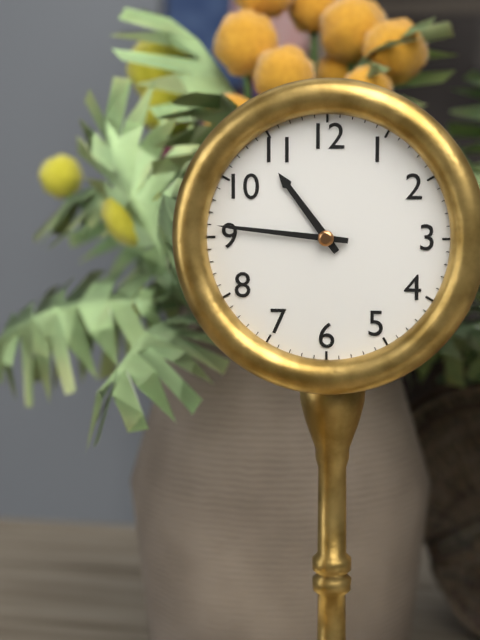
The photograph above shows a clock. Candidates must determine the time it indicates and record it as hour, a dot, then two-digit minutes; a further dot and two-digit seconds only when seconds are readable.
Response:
10.46
